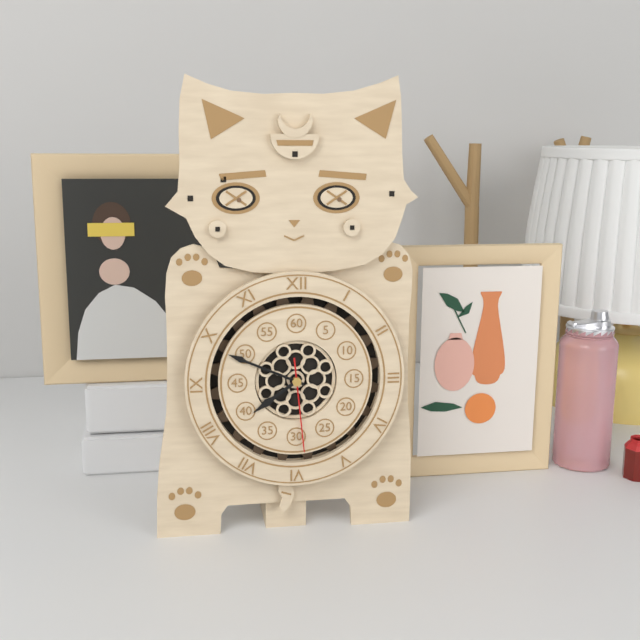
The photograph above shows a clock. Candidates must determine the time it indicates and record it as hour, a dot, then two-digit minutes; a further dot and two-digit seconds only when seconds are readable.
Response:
7.49.29
